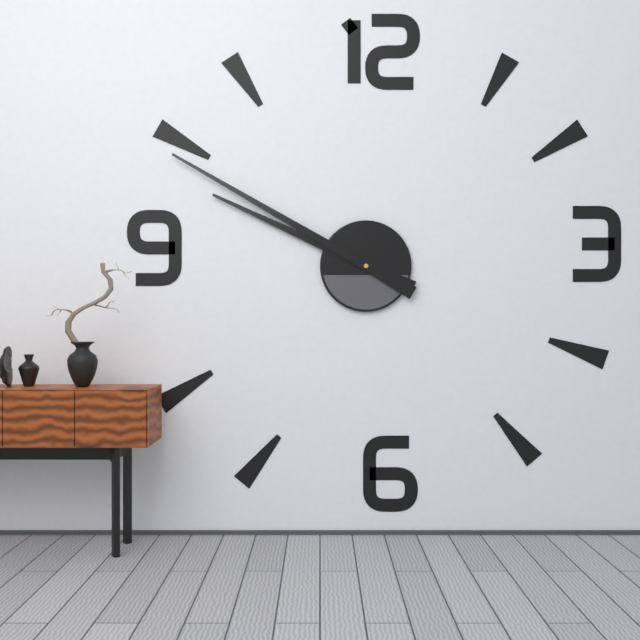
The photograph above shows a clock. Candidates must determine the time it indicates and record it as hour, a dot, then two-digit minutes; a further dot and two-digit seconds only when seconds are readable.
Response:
9.50
